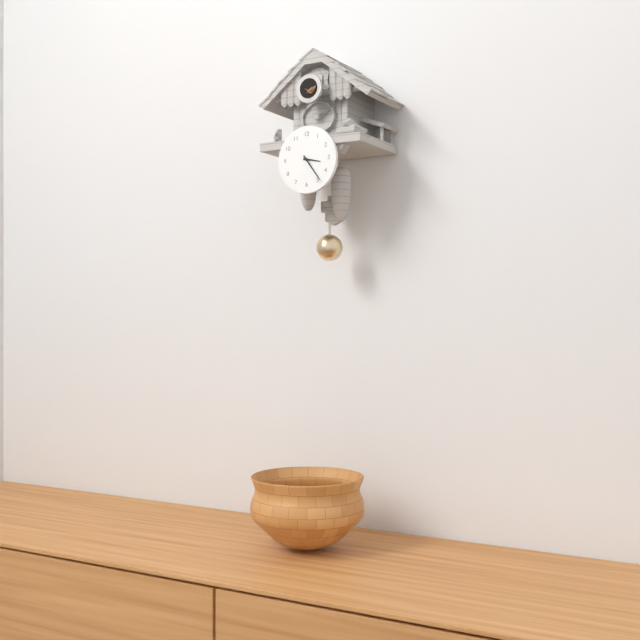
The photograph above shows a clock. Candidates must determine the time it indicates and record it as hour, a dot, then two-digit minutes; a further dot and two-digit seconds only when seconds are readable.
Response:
3.24
